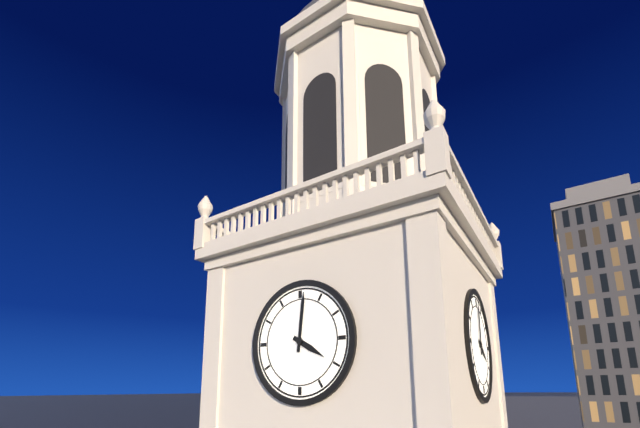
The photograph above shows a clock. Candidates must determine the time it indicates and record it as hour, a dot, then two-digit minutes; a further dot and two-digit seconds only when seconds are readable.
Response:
4.01
